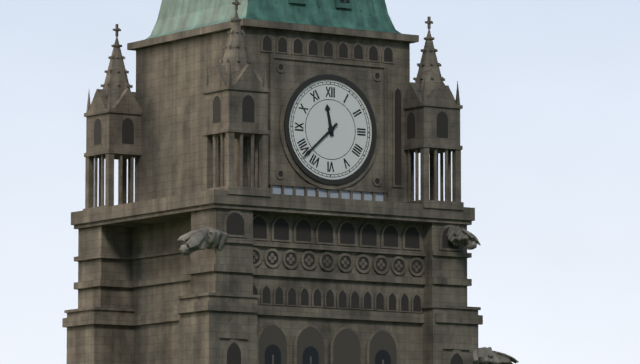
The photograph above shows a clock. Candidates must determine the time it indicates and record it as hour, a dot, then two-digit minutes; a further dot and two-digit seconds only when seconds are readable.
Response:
11.38
